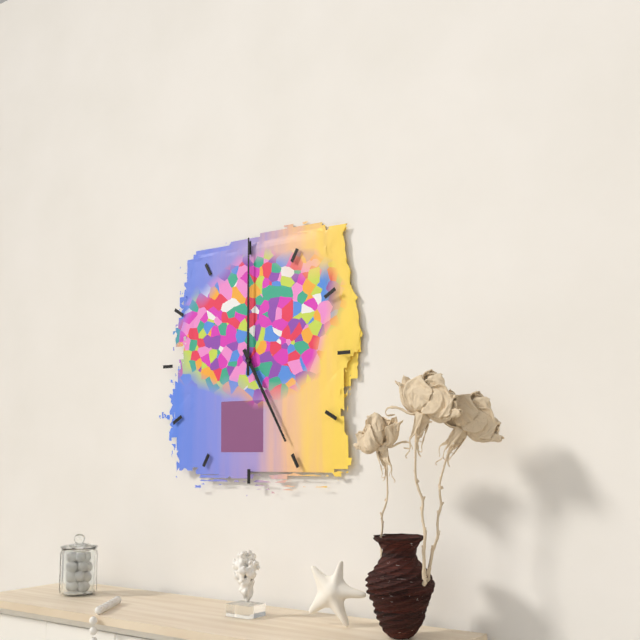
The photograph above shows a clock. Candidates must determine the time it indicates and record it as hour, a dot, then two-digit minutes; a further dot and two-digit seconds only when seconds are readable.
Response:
5.00
